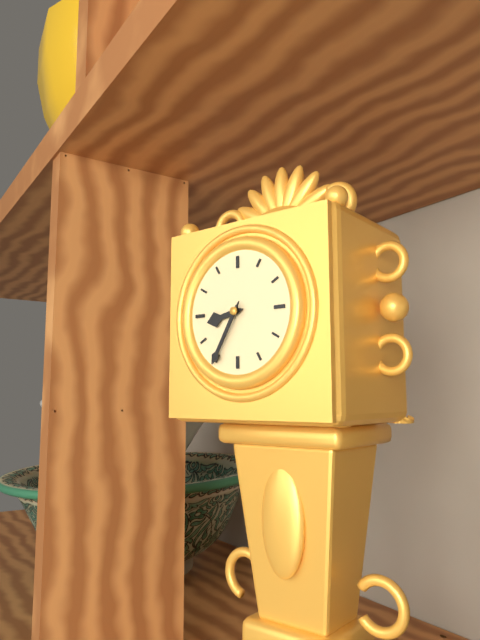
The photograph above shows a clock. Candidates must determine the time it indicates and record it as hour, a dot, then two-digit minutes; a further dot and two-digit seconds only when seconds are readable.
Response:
8.35
